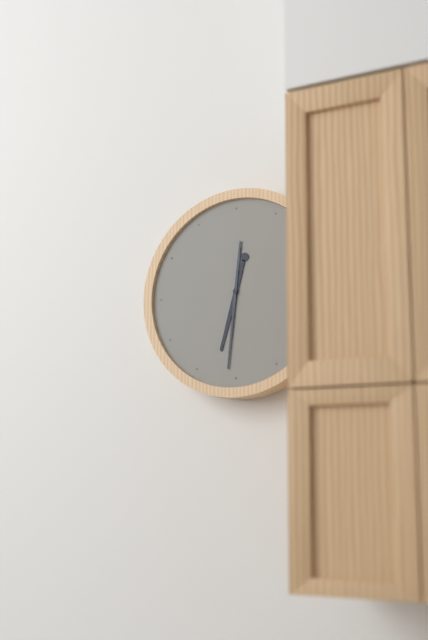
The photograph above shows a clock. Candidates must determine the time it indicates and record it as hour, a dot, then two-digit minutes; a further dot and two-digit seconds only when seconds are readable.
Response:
6.31
